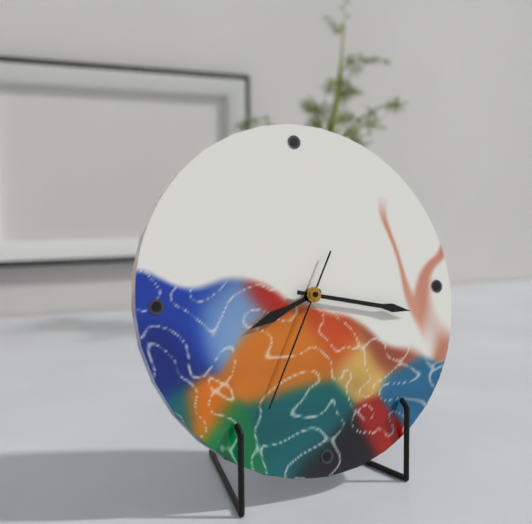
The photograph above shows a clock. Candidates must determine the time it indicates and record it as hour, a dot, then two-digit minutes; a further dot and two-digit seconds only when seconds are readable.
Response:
8.17.35
